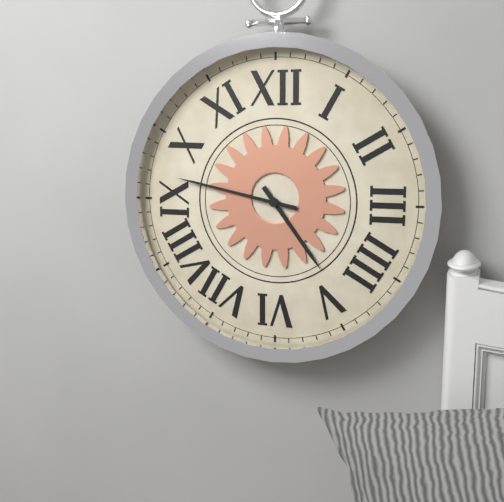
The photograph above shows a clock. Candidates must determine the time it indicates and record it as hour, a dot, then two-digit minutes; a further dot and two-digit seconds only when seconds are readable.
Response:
4.47
